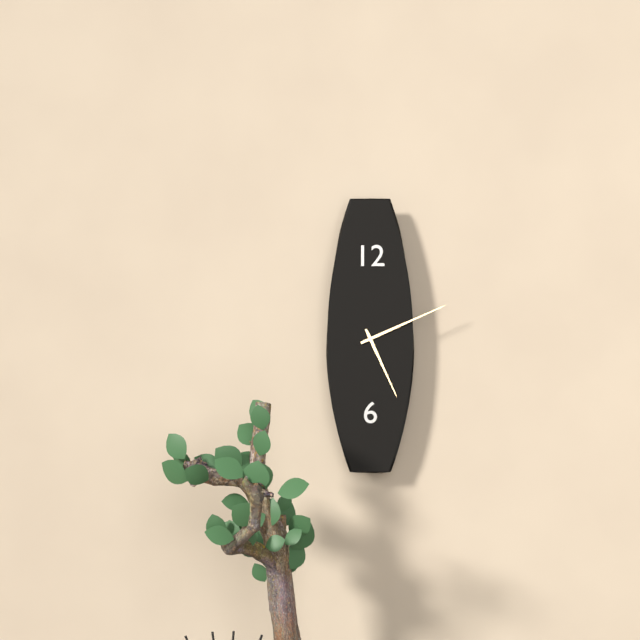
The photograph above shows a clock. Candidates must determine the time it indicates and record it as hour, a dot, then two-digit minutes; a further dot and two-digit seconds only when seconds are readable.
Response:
5.11
